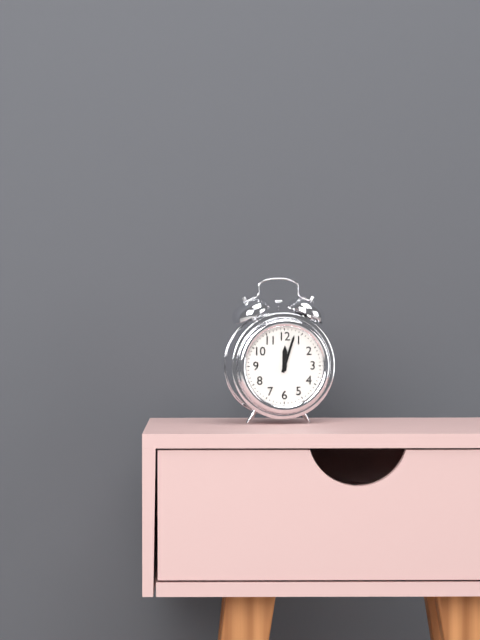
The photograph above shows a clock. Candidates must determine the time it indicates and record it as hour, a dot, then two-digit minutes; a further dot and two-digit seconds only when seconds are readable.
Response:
12.03
